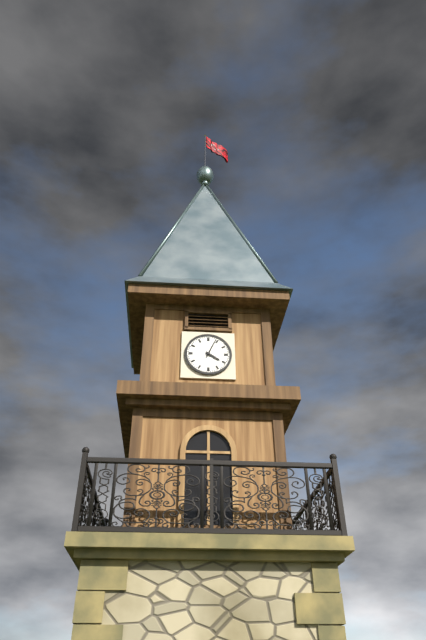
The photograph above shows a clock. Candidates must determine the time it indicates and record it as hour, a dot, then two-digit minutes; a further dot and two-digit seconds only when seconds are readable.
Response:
4.04
